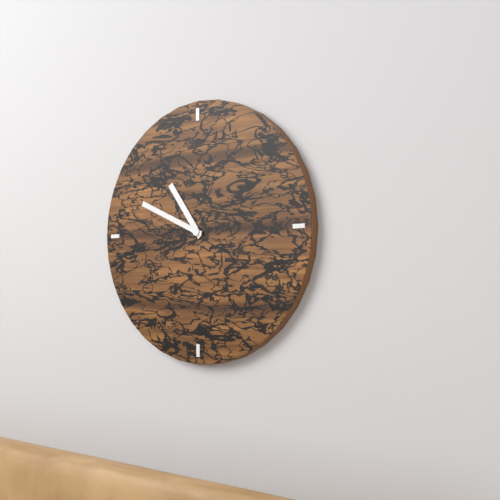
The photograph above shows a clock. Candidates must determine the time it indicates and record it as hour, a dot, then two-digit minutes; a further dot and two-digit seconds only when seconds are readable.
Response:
10.49
